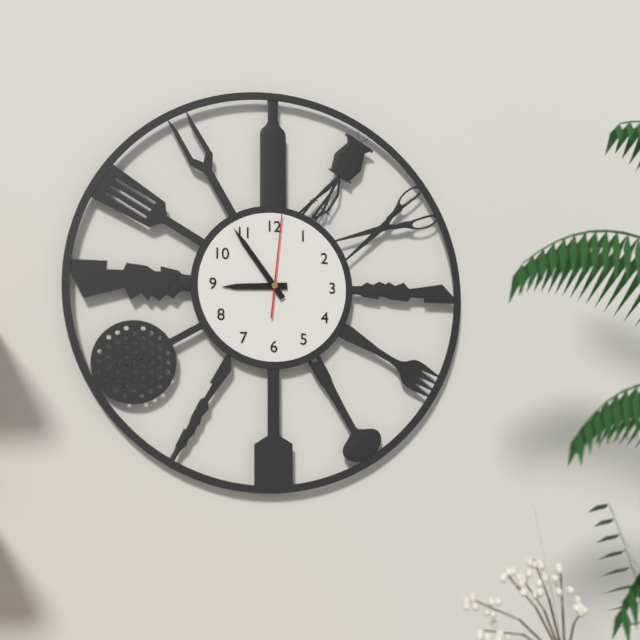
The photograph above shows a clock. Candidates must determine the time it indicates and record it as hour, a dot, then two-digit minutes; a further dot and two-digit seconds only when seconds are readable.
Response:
8.54.01
